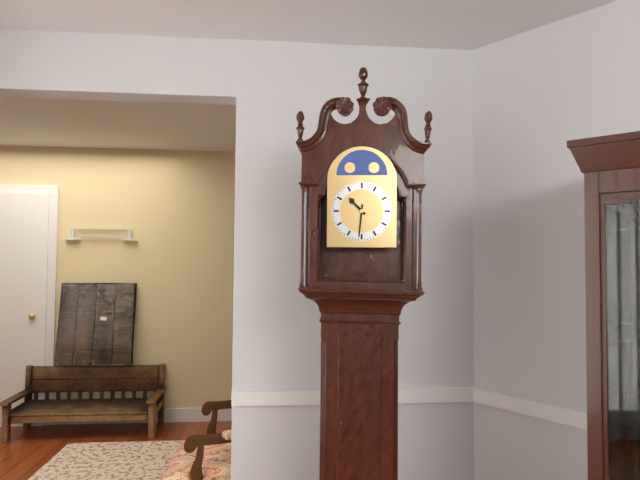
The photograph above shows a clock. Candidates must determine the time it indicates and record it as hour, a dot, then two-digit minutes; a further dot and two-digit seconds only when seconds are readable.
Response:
10.31
